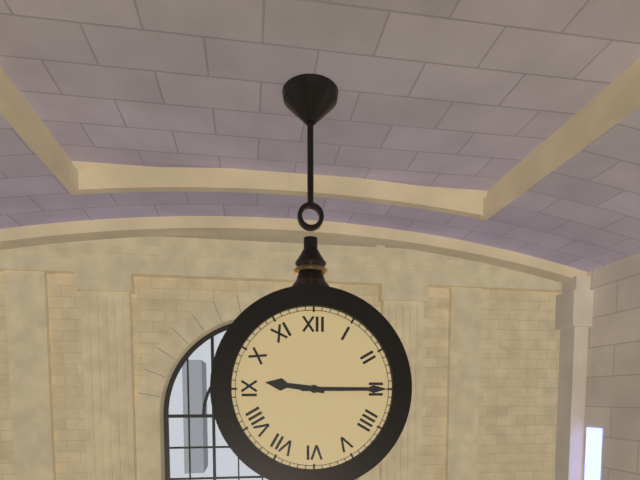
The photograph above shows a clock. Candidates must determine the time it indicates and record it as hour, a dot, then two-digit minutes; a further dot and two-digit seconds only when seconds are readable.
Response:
9.15
